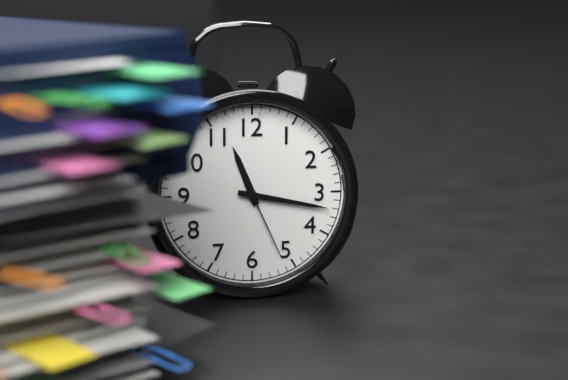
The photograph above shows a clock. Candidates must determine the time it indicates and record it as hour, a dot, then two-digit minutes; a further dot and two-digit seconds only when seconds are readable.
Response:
11.17.26
